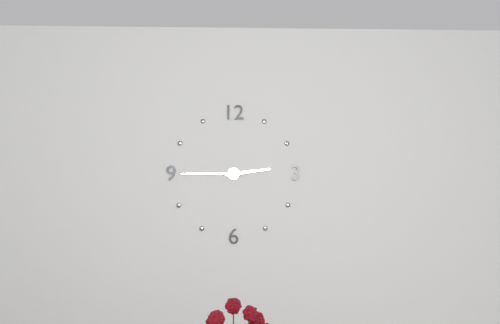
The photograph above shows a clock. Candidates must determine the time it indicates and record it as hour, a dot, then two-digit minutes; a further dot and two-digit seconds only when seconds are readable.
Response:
2.45
